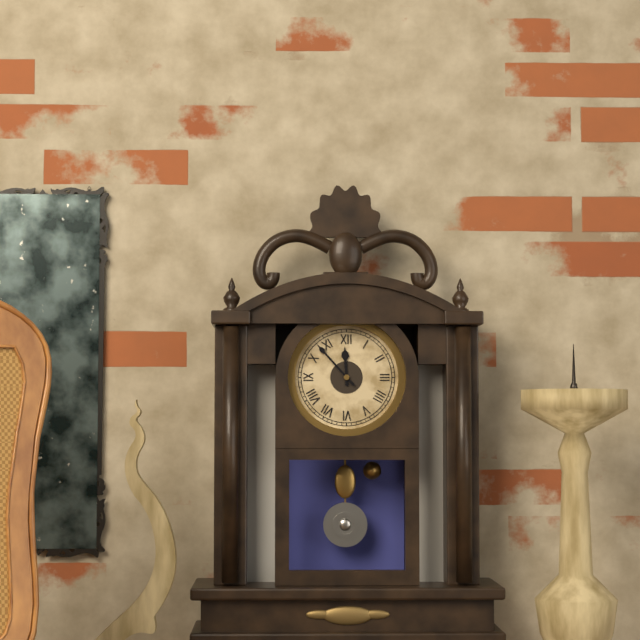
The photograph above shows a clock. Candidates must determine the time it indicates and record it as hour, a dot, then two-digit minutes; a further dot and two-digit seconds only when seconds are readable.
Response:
11.53
